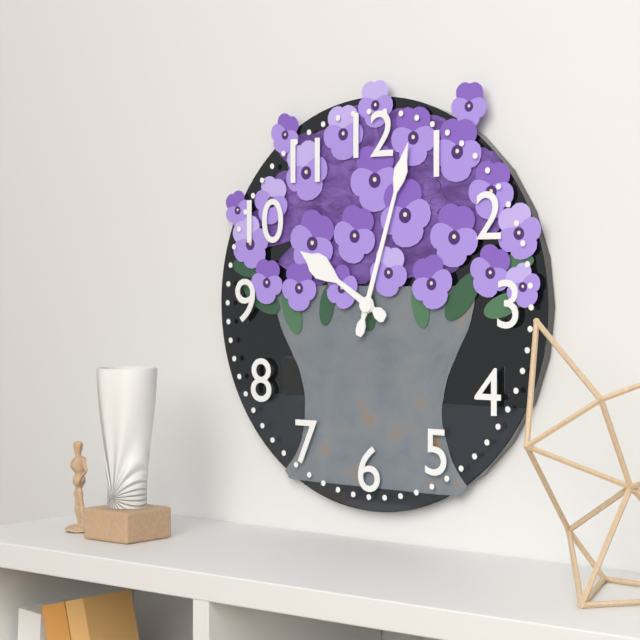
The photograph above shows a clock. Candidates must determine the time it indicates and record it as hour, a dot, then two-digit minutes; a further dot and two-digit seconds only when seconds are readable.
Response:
10.03
